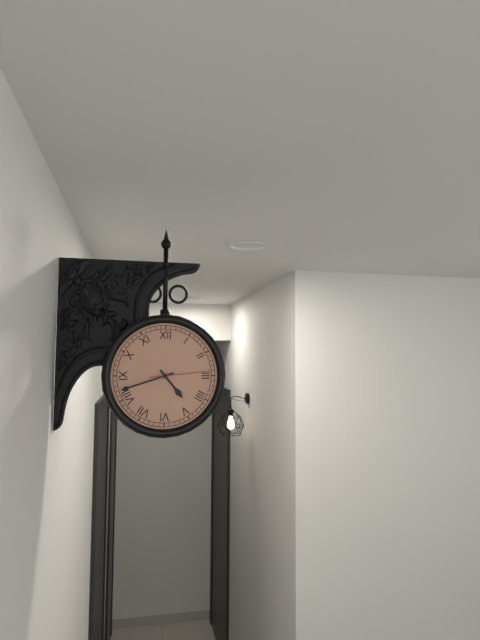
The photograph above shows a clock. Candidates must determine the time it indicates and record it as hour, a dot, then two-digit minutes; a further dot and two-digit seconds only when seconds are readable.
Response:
4.42.14
